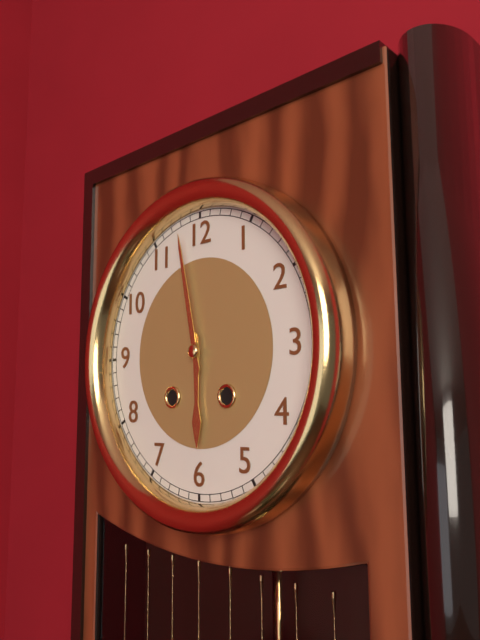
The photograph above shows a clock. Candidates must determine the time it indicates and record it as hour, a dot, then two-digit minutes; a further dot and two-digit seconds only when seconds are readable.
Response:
5.58
